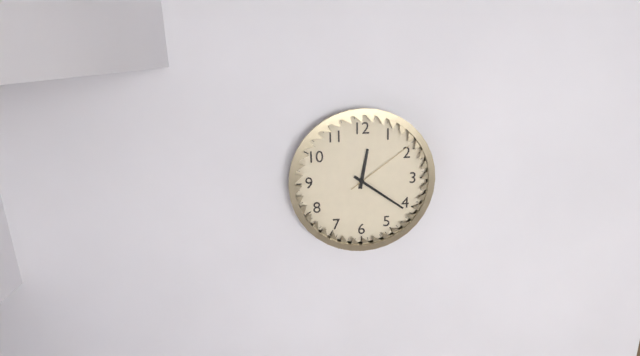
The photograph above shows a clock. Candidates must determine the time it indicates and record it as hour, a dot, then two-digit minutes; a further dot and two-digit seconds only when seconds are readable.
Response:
12.21.09
